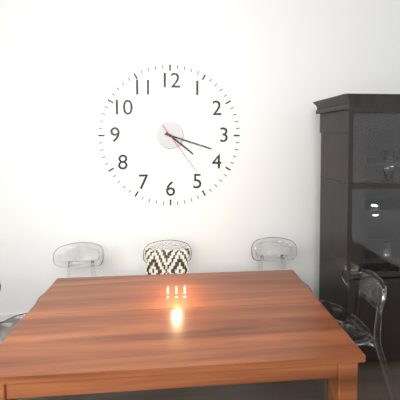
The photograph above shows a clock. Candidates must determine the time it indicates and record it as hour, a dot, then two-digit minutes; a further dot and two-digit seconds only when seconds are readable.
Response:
4.18.24
